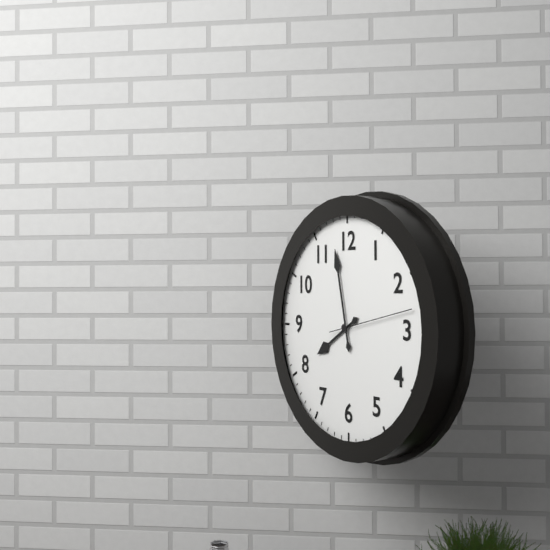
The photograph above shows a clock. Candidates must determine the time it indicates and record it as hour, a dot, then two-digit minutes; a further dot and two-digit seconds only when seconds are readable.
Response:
7.58.13
